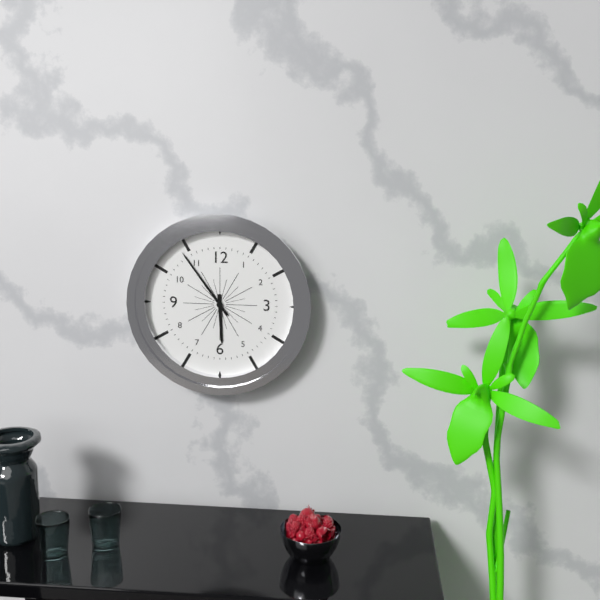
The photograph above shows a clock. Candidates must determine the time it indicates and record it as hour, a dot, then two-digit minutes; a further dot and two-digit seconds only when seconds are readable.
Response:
5.54
